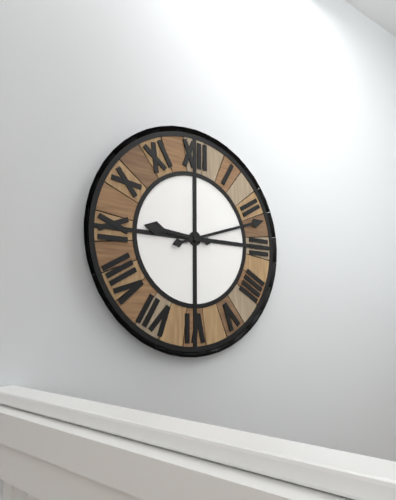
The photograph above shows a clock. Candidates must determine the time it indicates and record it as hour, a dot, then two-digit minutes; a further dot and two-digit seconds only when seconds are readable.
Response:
9.12
